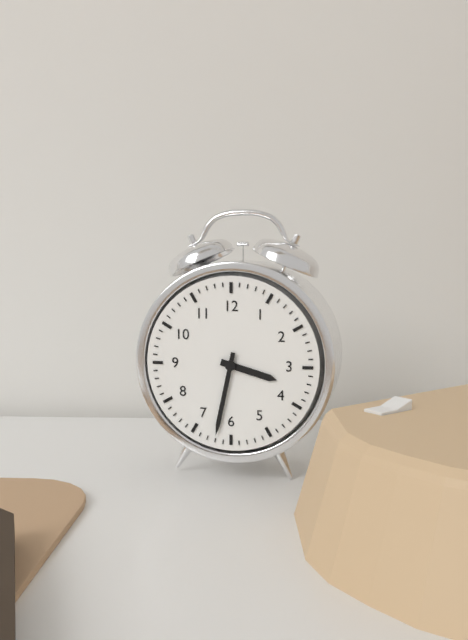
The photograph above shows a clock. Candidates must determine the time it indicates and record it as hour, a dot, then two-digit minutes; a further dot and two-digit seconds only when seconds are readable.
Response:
3.32
